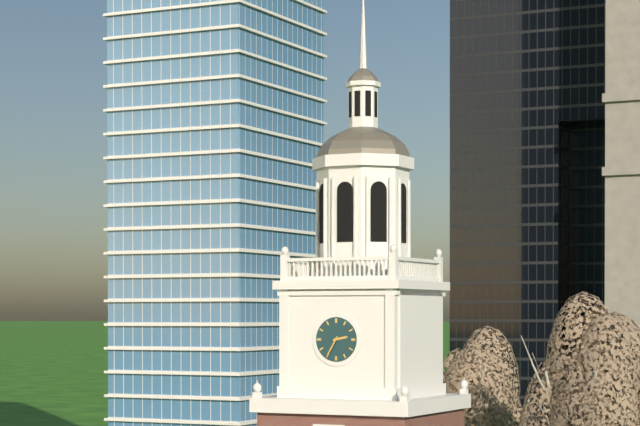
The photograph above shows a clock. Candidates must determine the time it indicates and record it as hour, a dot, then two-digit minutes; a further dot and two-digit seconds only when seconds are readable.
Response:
2.35
